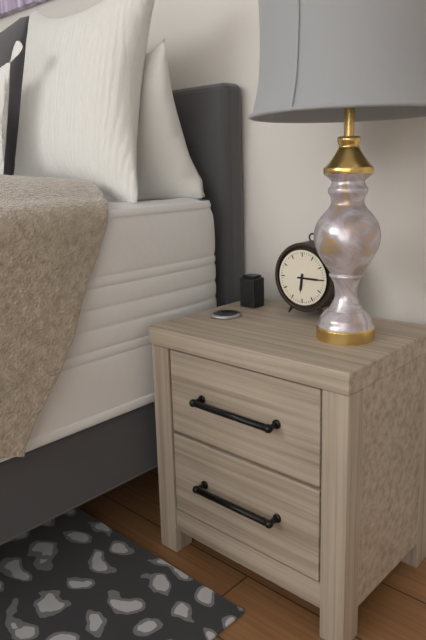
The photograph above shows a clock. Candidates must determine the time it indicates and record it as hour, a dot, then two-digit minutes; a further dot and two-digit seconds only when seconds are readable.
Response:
6.15
